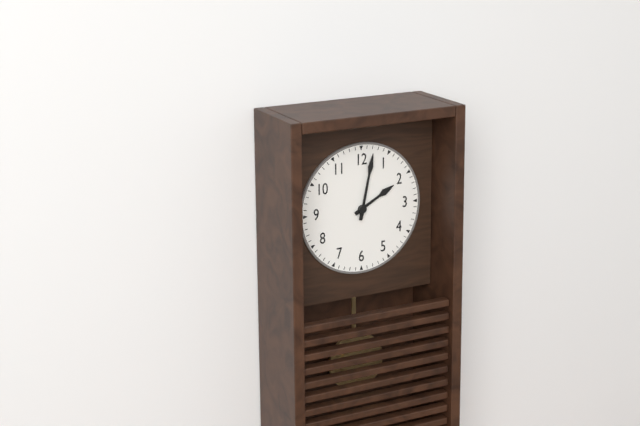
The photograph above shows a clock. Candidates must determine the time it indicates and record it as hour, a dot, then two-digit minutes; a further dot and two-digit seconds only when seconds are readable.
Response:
2.02
